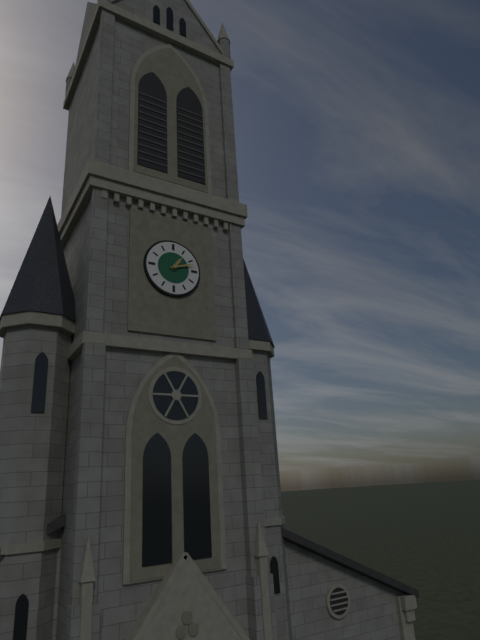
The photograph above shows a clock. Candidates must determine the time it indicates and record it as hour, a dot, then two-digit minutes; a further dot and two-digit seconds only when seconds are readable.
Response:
1.12
